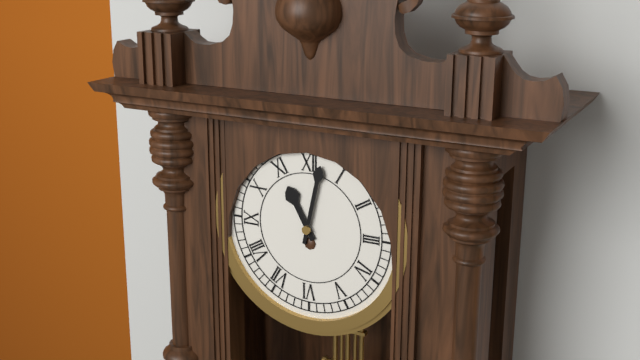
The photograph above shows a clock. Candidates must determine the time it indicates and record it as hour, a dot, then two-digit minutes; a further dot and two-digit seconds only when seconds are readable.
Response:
11.02
